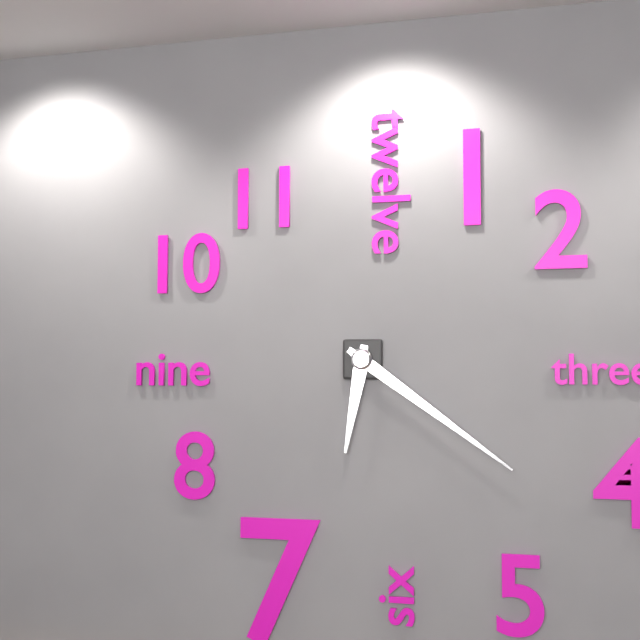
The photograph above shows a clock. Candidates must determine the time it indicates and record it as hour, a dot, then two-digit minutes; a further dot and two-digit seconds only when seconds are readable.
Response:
6.21
